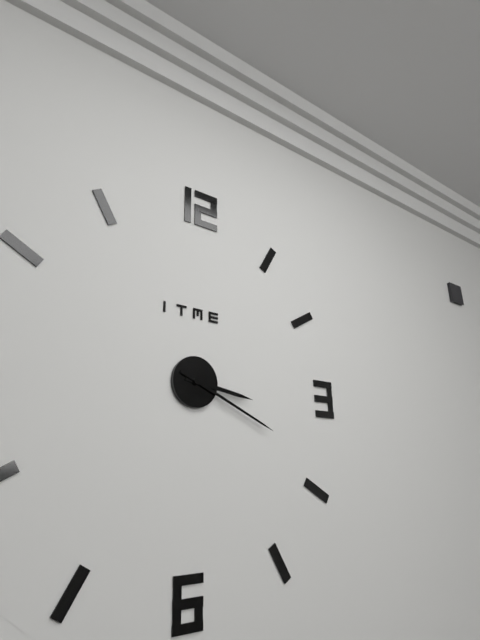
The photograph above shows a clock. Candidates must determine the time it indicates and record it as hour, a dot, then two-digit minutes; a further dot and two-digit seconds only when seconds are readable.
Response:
3.19
